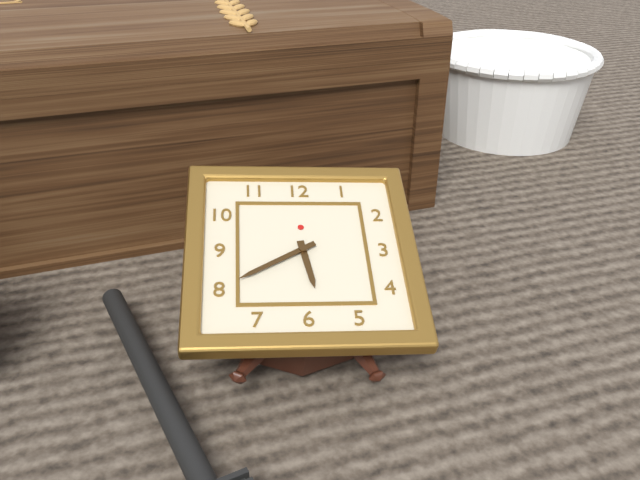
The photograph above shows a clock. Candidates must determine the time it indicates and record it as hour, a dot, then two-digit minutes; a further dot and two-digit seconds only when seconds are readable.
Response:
5.40
